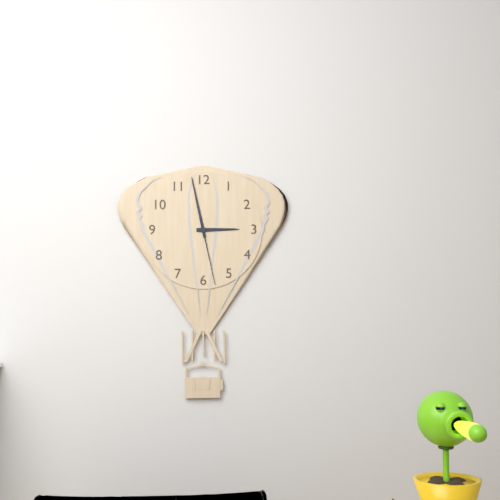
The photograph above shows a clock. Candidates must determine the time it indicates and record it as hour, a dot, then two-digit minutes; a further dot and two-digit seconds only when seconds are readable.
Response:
2.58.28
